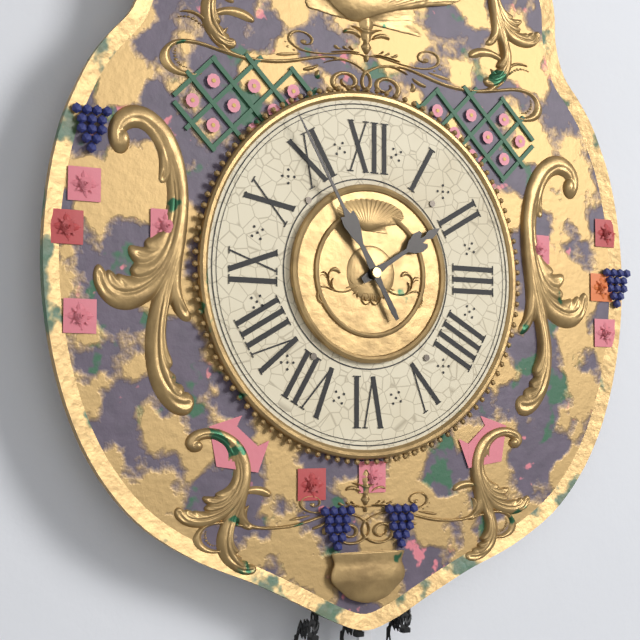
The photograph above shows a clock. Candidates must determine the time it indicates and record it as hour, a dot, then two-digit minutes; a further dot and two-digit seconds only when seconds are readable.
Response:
1.55
